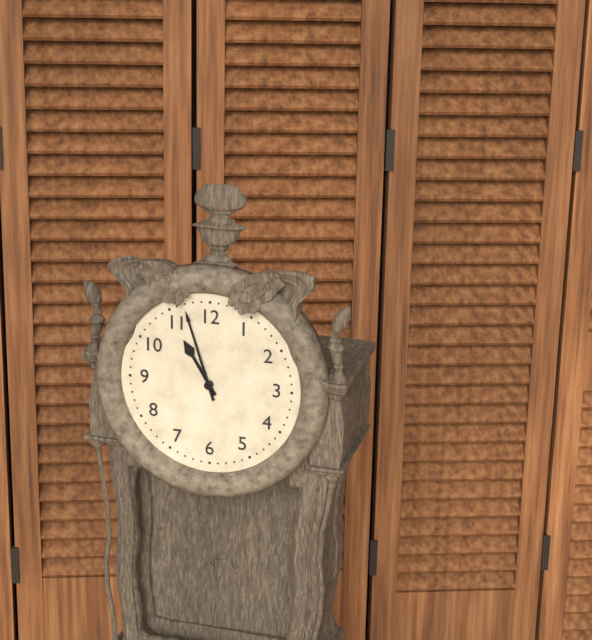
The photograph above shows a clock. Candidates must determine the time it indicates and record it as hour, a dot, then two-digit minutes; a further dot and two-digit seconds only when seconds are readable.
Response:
10.57
